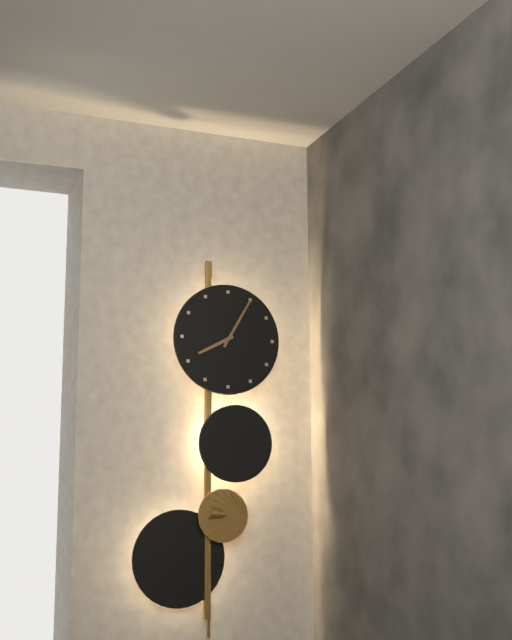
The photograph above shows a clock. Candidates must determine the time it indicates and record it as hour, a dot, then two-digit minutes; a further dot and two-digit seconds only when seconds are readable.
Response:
8.05
